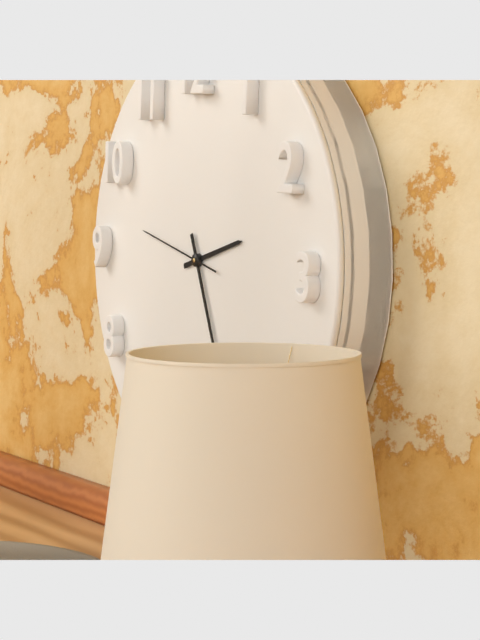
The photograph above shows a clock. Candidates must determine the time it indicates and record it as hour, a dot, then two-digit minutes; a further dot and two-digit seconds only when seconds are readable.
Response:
2.26.47
